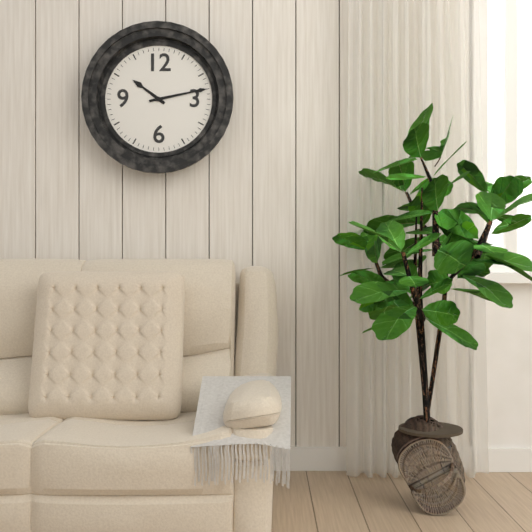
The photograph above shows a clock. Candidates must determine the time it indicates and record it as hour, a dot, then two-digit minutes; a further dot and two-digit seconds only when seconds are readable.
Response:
10.13
